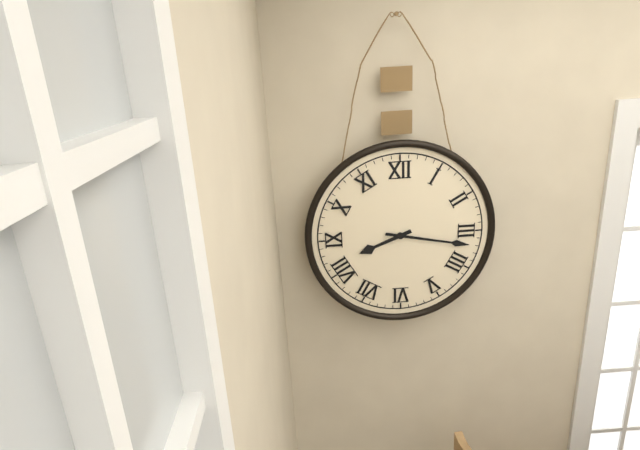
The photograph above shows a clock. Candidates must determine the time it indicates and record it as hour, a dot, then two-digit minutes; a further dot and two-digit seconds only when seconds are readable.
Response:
8.17
